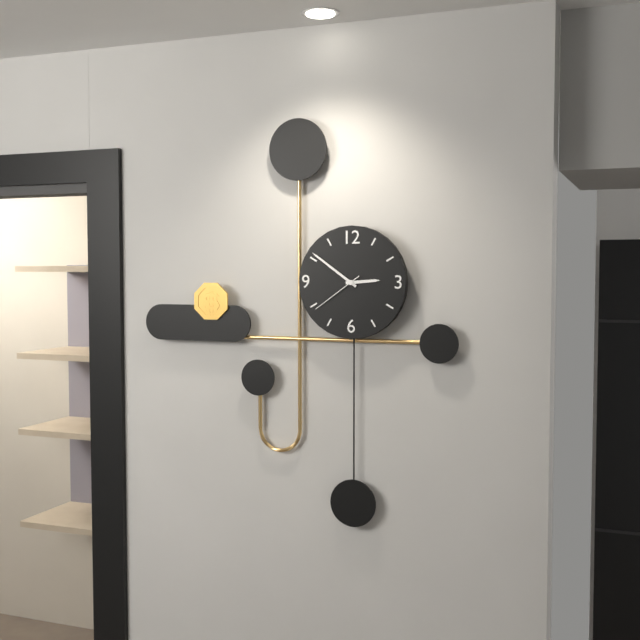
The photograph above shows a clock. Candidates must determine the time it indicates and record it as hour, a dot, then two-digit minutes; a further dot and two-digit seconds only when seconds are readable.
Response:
2.51.39
